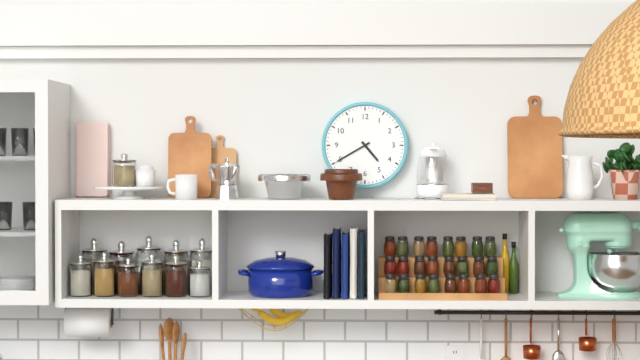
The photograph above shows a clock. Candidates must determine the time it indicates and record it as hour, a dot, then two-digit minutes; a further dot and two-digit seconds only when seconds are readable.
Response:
4.40
